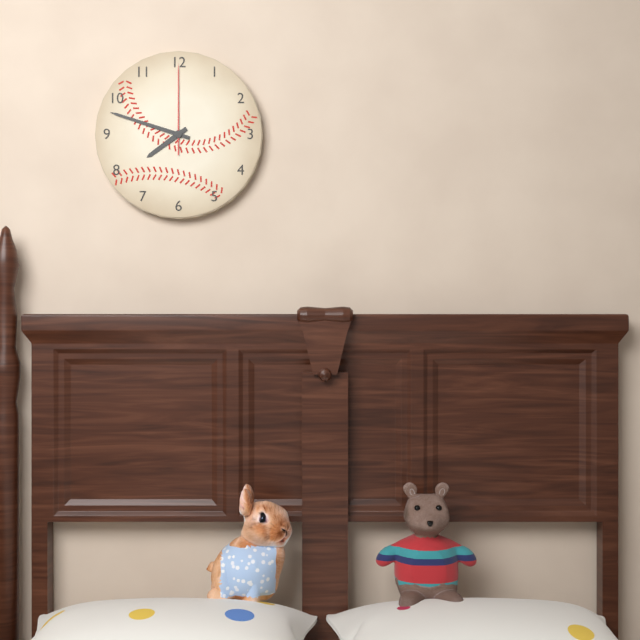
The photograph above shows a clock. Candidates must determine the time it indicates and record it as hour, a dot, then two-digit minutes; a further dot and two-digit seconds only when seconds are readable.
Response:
7.48.00
